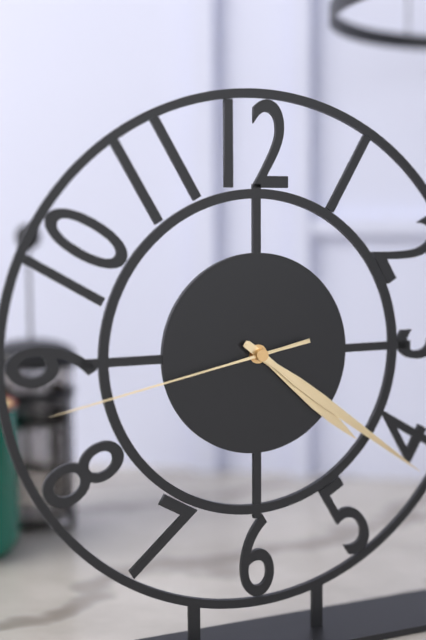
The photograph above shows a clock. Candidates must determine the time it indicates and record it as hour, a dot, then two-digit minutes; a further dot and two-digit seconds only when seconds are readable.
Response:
4.21.43
